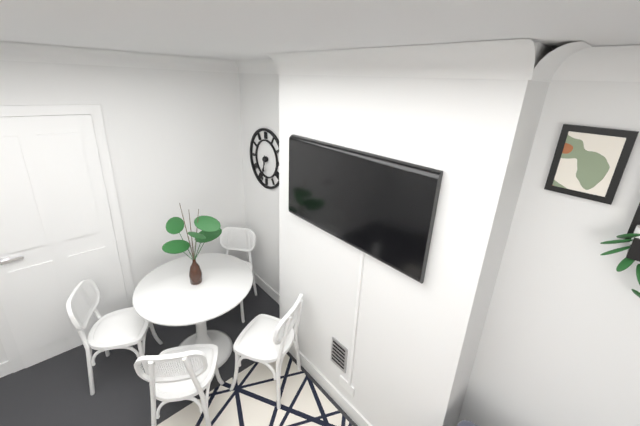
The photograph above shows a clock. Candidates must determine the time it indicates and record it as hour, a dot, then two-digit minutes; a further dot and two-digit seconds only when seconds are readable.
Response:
6.32
